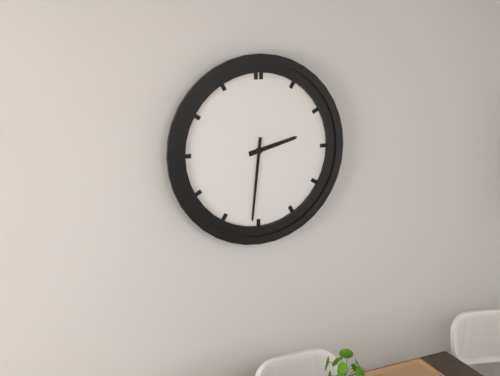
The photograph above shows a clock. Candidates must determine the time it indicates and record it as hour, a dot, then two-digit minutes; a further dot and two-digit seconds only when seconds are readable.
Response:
2.31
